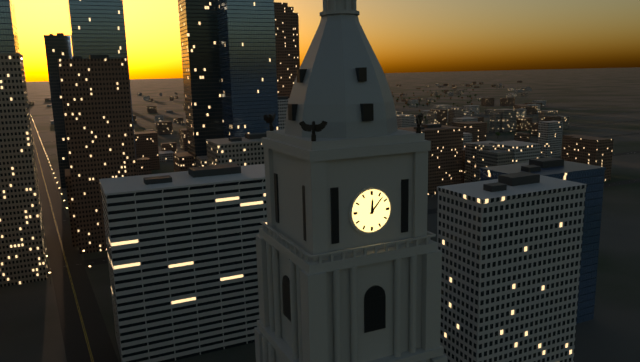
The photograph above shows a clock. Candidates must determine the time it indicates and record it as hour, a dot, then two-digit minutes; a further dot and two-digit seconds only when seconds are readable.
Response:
12.07
